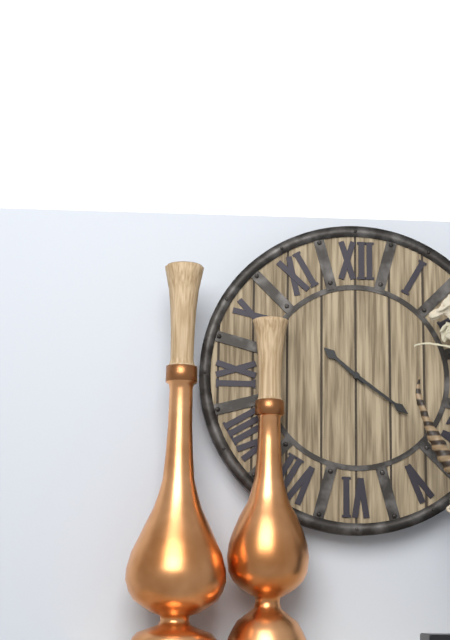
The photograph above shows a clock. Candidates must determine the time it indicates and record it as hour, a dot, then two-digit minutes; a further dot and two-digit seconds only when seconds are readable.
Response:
10.21
